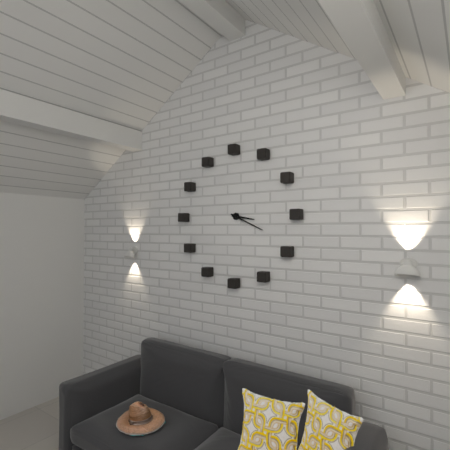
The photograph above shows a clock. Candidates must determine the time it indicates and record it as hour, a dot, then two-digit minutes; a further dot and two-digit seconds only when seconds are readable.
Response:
3.19
